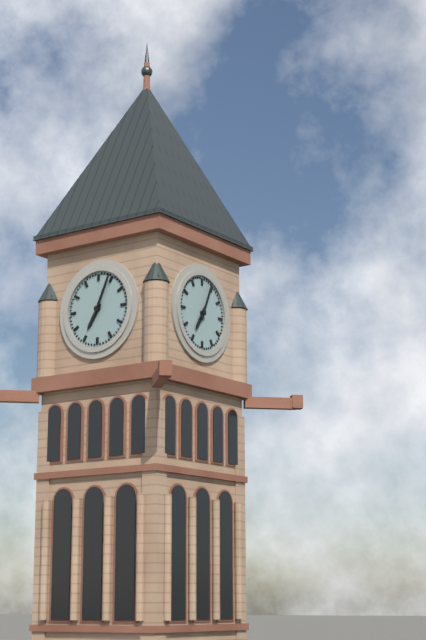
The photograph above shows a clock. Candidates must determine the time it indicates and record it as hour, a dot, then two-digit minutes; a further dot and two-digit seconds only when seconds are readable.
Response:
7.04
